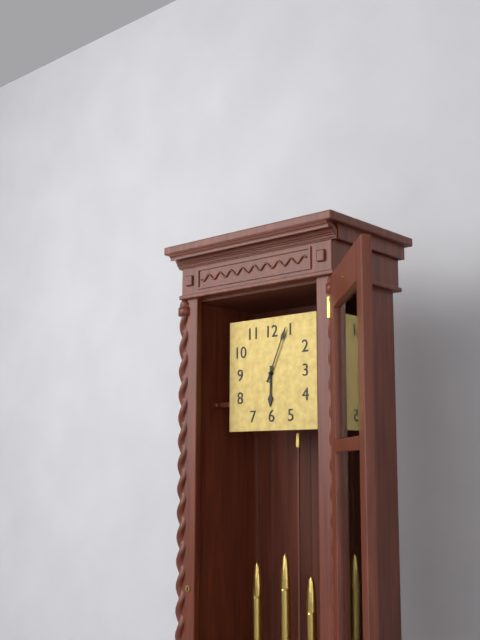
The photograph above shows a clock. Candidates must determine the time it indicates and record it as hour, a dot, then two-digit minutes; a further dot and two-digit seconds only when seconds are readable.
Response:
6.04
